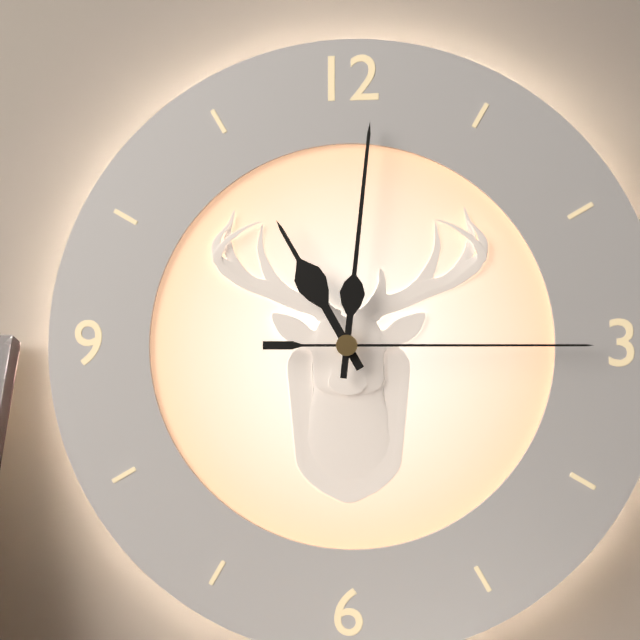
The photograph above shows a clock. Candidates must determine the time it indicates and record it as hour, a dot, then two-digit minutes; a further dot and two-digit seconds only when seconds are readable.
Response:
11.01.15
